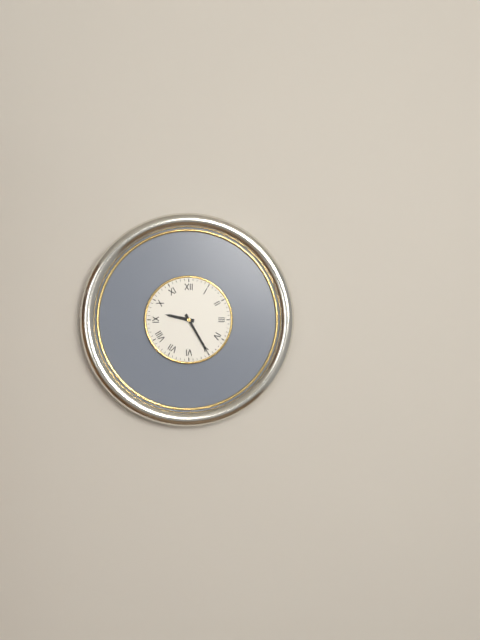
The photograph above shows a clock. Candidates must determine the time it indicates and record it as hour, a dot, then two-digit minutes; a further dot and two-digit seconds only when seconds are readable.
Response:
9.25
